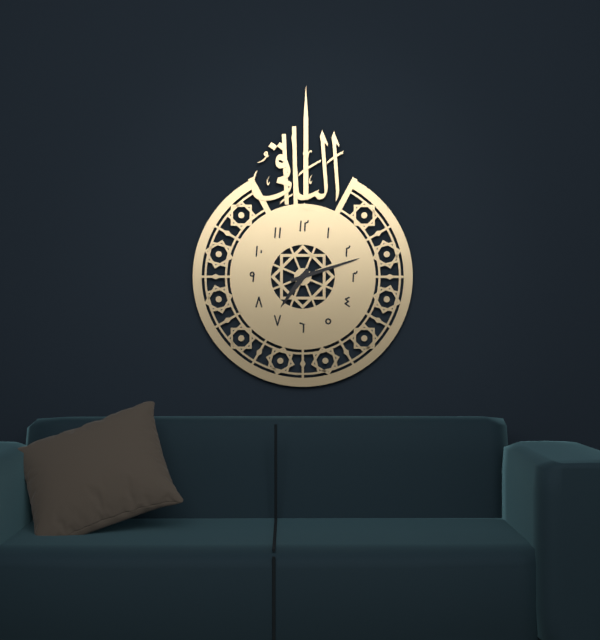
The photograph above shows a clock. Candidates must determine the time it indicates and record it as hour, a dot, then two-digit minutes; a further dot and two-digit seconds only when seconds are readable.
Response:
7.12
